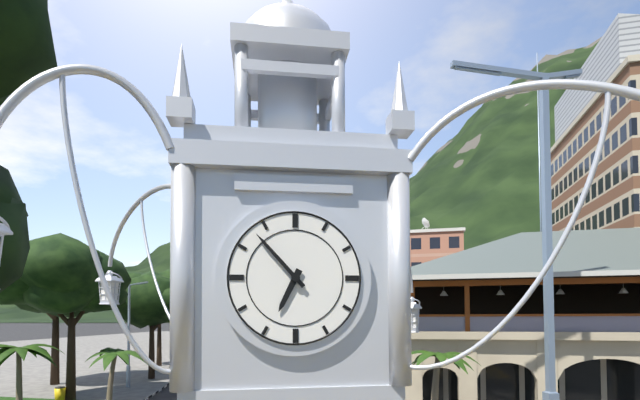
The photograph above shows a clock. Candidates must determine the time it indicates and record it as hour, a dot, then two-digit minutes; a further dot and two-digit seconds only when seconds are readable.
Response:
6.53
